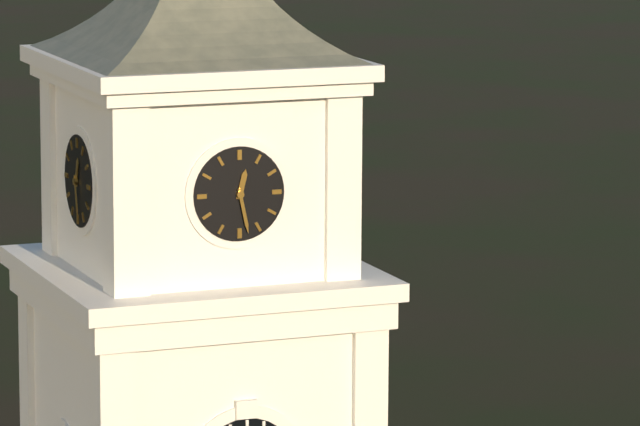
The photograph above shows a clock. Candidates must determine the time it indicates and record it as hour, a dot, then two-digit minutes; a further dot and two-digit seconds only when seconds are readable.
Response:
12.28
